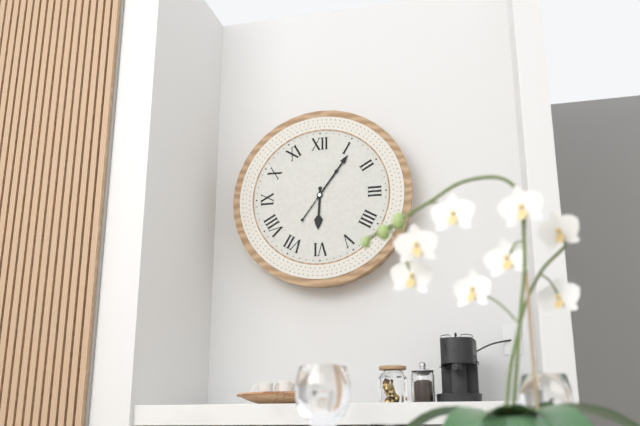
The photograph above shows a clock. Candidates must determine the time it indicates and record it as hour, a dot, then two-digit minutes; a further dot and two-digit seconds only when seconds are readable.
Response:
6.06
